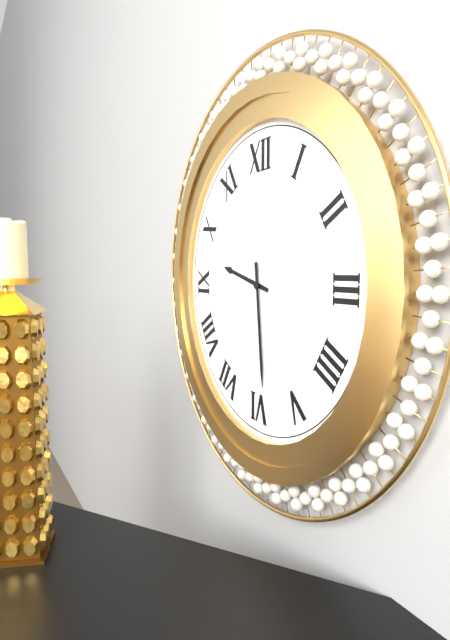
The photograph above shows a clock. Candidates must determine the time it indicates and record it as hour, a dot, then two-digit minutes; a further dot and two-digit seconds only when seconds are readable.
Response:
9.29
